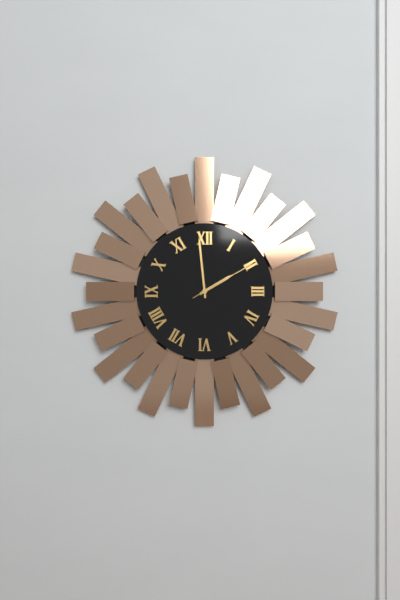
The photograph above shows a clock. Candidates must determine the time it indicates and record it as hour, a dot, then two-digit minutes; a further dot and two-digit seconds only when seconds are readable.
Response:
1.59.10
